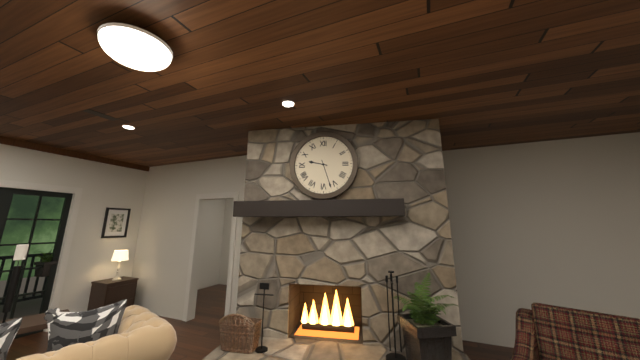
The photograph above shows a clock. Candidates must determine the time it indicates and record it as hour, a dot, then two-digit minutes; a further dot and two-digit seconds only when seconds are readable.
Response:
9.27
